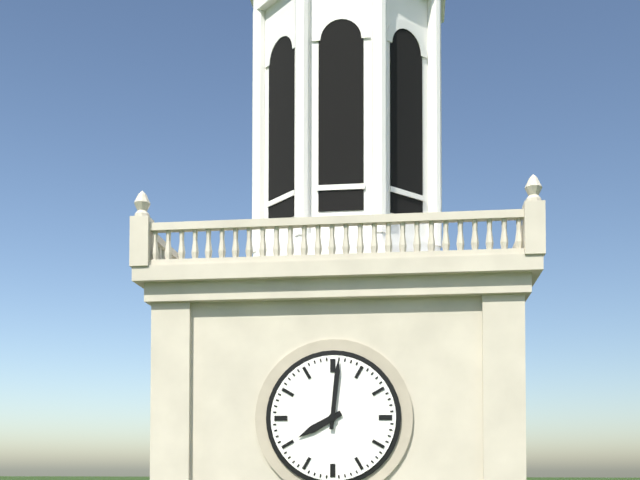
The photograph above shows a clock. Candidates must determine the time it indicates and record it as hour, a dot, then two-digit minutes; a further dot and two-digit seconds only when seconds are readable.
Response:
8.01
